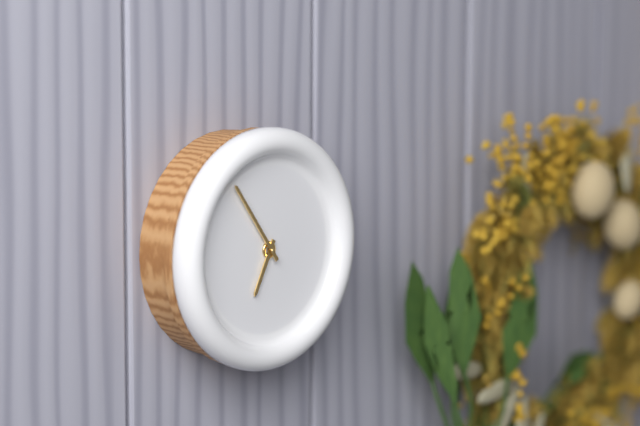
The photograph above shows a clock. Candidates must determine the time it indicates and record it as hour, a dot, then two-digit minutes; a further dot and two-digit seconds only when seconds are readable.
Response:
6.54
